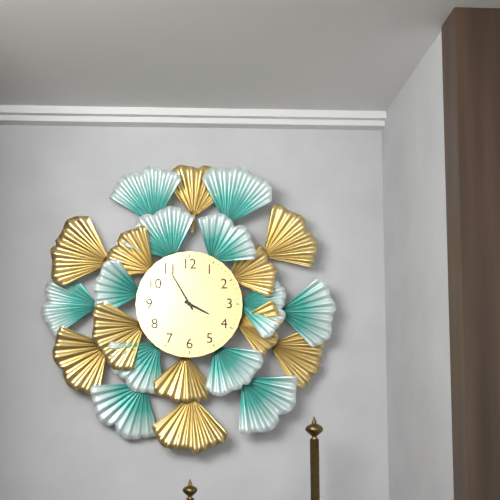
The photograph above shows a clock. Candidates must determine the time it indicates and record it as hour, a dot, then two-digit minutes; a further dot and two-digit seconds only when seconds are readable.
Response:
3.55
